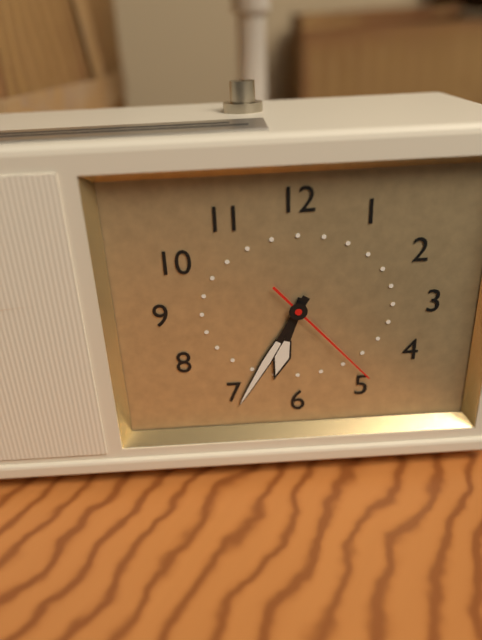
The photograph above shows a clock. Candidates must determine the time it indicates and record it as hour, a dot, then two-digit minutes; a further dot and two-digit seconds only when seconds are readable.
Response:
6.35.23
